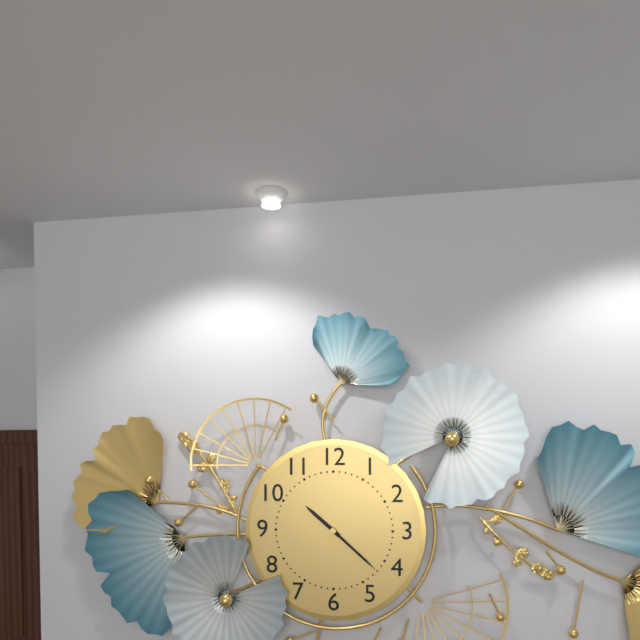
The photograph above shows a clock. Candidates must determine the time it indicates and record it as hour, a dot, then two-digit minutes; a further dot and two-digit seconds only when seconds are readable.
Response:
10.22
